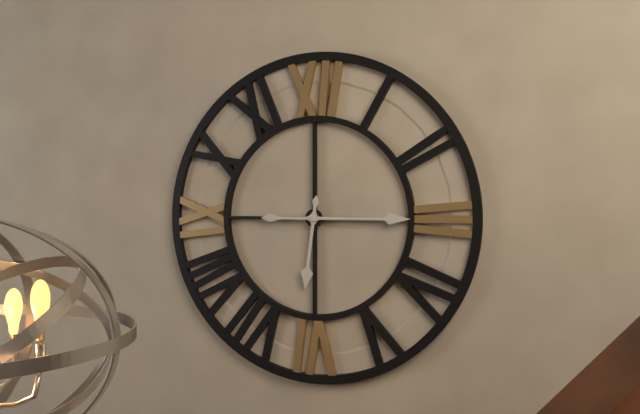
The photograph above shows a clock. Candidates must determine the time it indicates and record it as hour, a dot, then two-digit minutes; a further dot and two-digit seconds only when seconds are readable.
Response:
6.15
